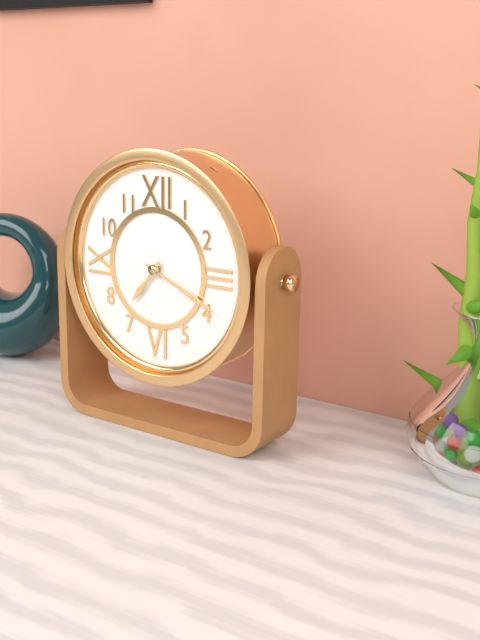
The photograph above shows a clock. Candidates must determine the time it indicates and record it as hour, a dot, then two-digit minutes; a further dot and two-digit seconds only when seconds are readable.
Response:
7.19
